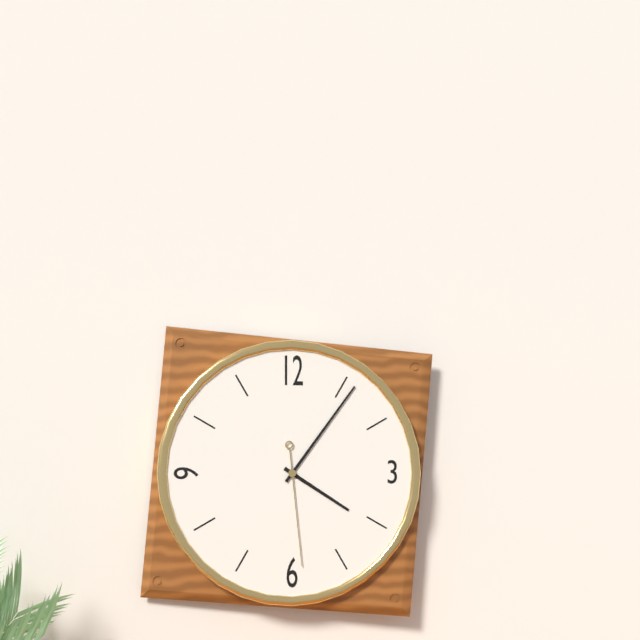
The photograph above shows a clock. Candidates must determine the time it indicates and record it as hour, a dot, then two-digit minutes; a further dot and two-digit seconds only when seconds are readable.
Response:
4.06.29
